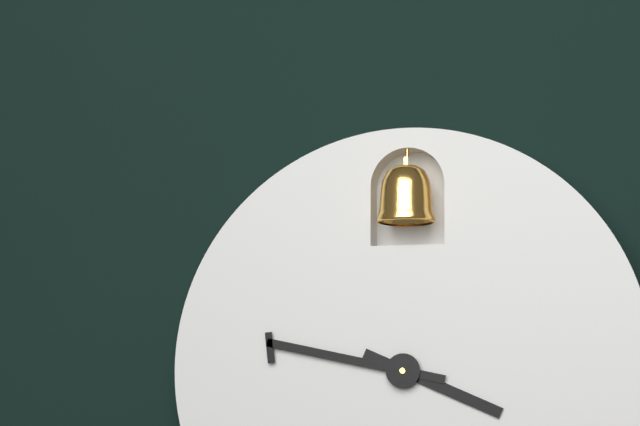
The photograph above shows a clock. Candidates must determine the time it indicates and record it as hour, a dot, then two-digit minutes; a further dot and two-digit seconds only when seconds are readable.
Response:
3.47
